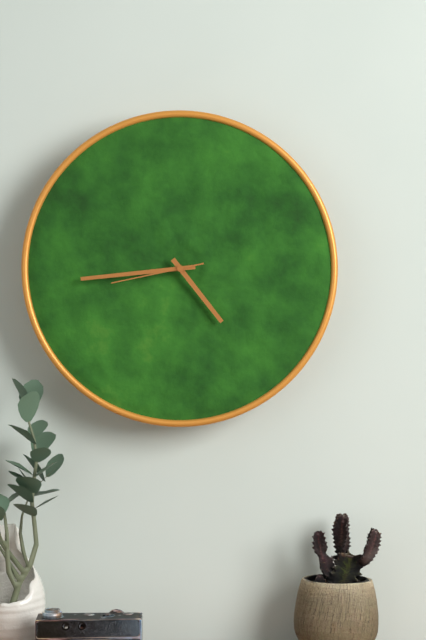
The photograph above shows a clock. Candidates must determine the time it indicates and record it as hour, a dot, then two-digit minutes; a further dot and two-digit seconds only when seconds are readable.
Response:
4.44.43
